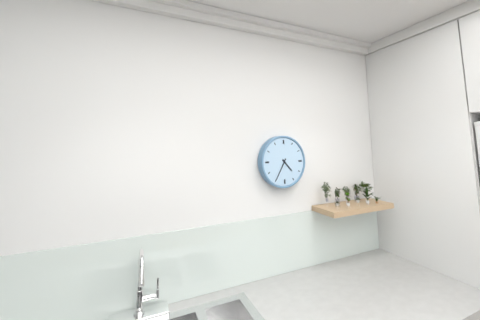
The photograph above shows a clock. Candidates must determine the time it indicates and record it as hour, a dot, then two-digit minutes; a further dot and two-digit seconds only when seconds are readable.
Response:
4.35
